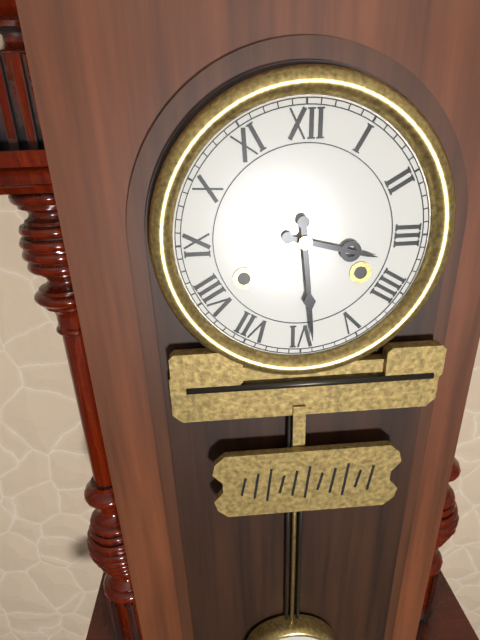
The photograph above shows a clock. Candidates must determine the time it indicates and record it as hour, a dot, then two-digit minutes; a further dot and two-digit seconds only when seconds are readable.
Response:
3.29
